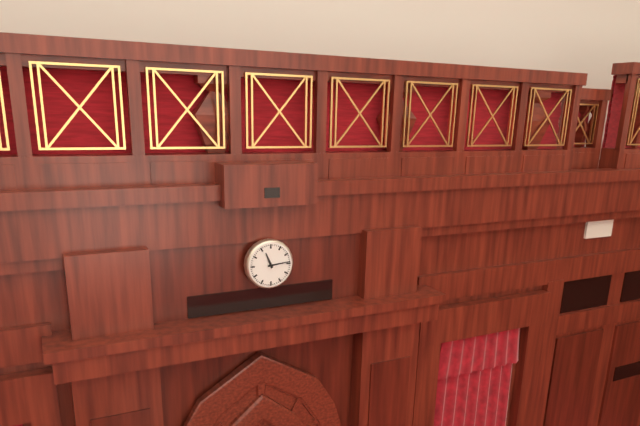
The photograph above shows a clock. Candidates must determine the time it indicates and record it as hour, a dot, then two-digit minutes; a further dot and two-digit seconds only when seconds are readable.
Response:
11.14
